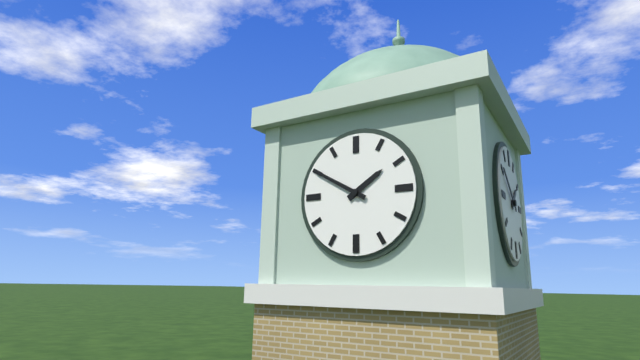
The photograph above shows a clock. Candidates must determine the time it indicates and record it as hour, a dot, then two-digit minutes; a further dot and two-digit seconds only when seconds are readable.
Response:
1.50
